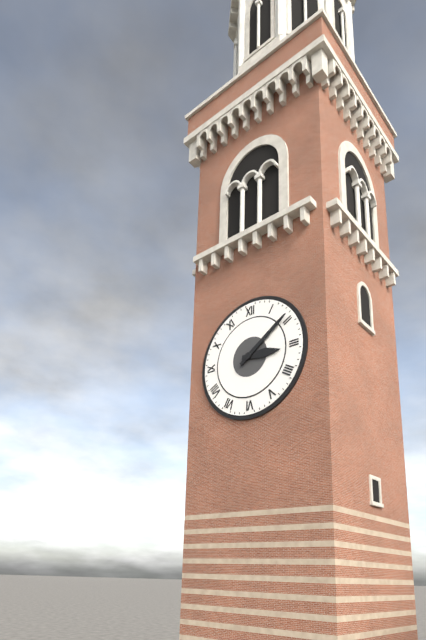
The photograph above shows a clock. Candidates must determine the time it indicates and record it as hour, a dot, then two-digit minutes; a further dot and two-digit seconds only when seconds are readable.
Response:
3.09
